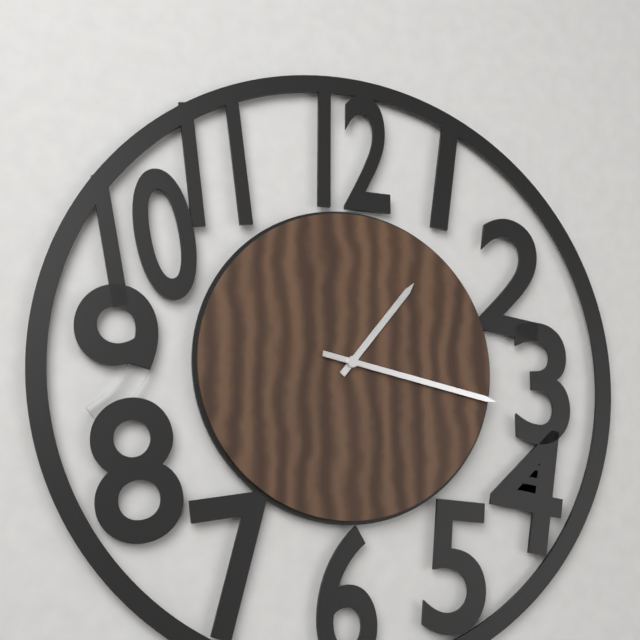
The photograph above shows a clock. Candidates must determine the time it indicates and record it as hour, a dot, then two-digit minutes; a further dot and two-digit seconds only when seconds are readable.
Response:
1.17
